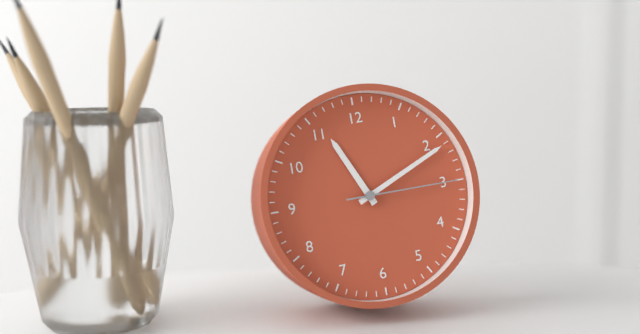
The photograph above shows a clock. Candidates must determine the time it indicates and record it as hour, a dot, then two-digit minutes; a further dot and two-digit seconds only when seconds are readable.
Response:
11.11.15
